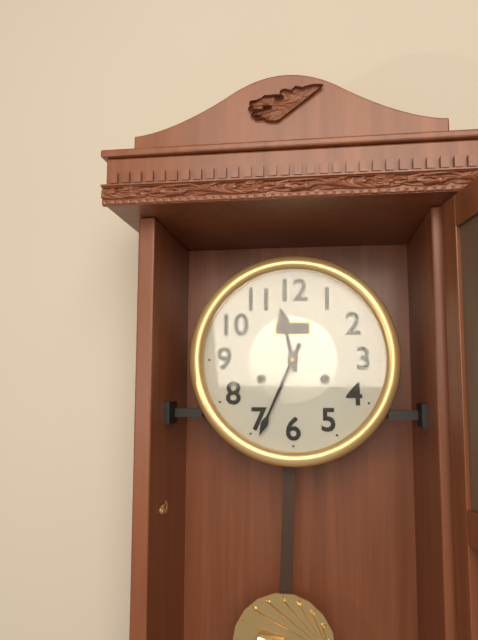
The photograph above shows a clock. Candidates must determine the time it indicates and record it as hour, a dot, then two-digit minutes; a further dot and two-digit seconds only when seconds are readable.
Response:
11.34
